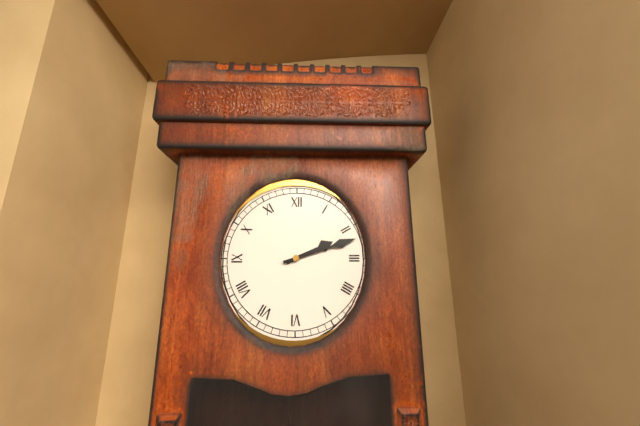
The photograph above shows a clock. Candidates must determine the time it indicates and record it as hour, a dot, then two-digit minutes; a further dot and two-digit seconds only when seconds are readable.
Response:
2.12
